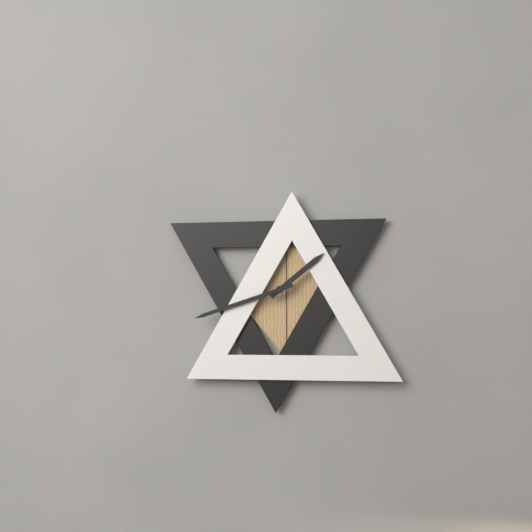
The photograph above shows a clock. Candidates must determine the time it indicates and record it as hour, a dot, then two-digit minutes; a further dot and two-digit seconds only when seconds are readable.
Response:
1.42
